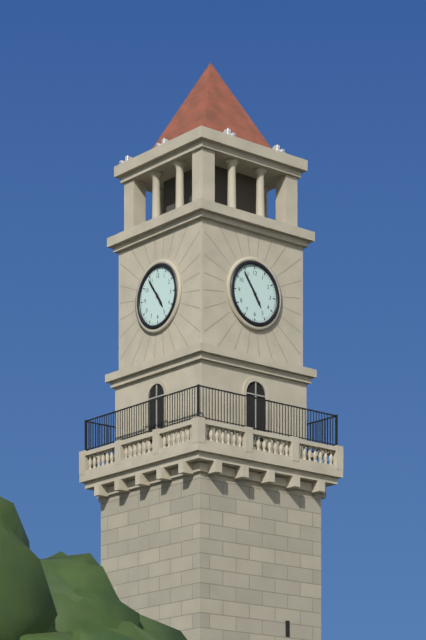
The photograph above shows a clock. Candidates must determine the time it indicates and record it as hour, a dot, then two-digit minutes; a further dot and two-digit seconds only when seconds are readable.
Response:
4.54
